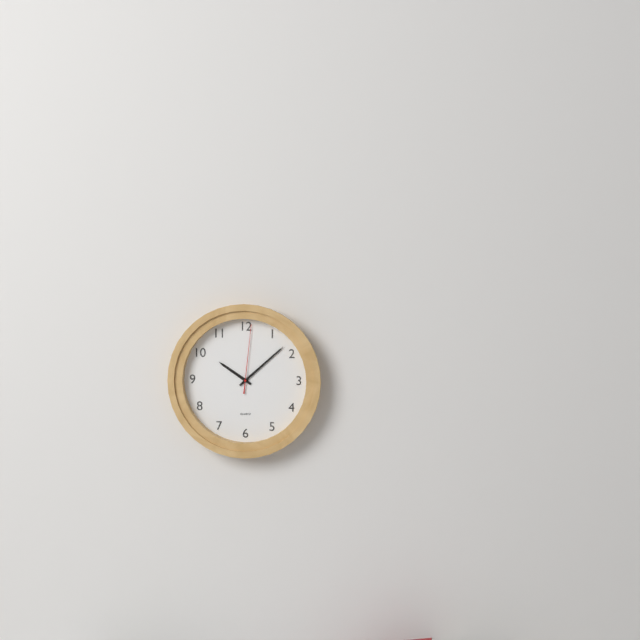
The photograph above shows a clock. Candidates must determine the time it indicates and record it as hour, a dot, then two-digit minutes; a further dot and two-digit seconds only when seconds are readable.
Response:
10.08.01
